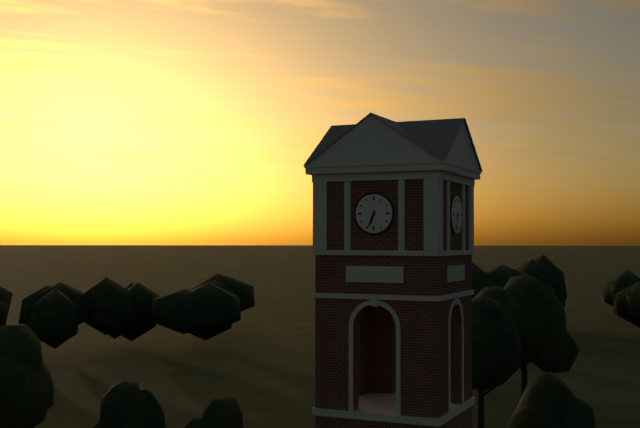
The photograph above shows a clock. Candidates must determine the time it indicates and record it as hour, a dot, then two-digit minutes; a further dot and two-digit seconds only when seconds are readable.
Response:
6.34
